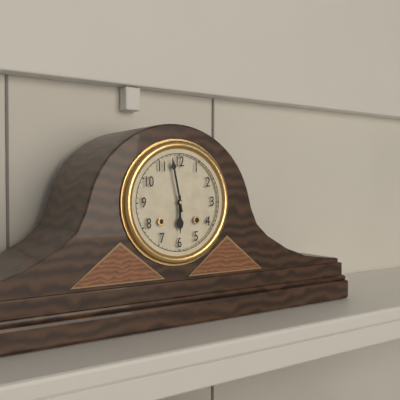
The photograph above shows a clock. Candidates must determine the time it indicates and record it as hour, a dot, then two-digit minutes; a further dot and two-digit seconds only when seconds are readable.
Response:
5.58
